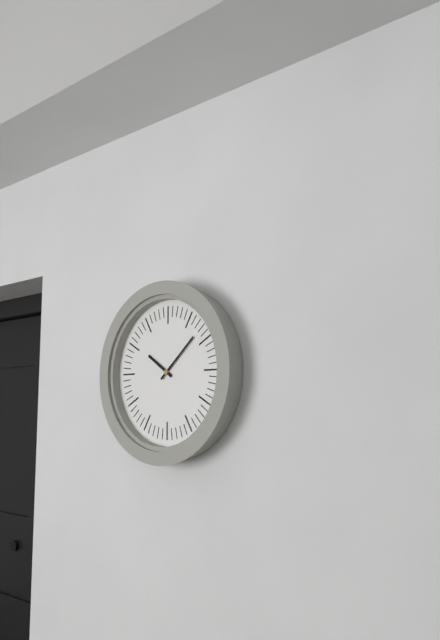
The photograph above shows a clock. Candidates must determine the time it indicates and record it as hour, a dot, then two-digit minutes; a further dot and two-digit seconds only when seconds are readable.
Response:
10.08
